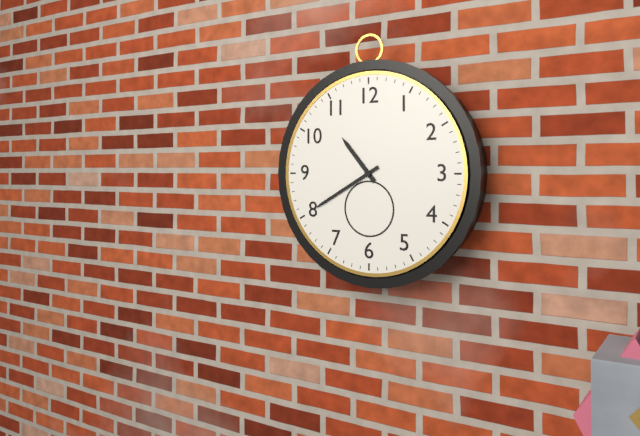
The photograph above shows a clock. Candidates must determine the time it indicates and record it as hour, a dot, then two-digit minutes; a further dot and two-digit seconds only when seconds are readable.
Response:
10.40
